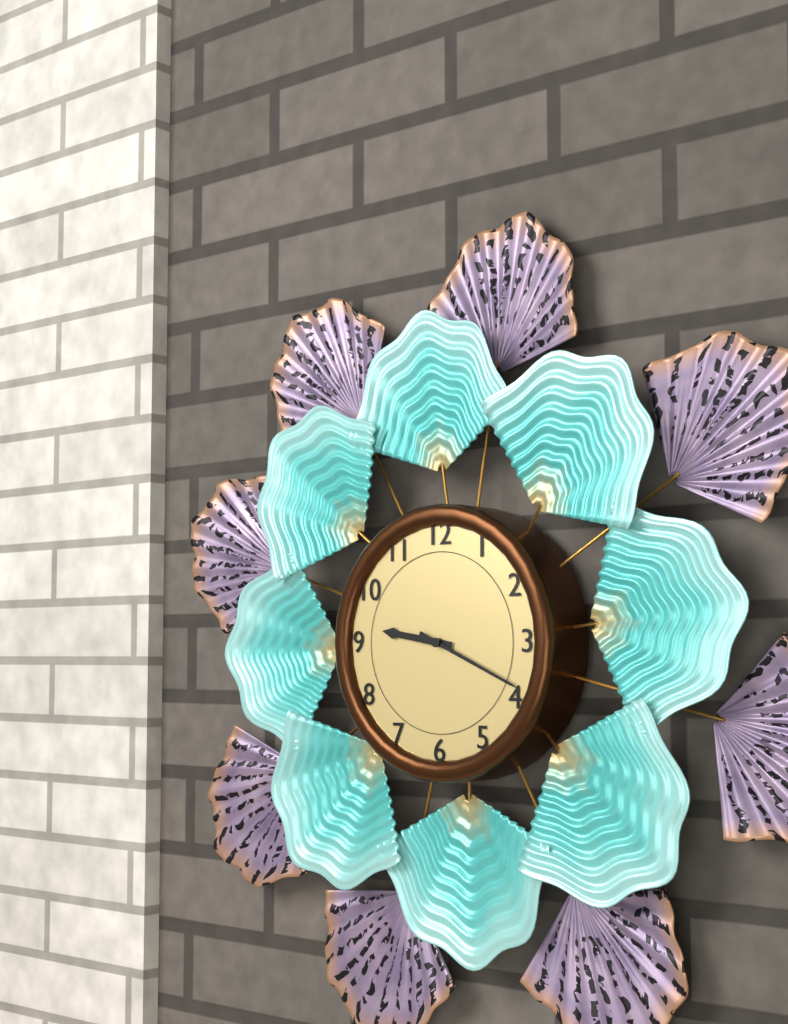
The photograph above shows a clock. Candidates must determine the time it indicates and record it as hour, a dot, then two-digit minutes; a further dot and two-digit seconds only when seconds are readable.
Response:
9.19
